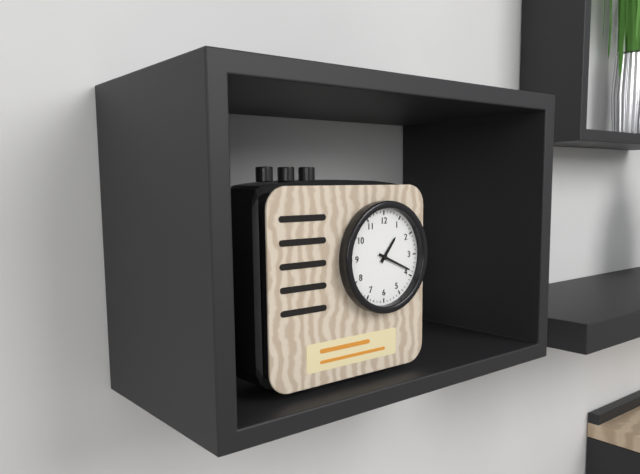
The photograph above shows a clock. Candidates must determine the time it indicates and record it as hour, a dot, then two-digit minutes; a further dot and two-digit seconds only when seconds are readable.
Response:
1.19
